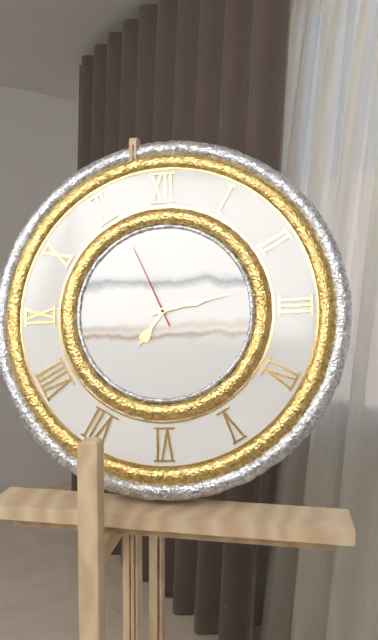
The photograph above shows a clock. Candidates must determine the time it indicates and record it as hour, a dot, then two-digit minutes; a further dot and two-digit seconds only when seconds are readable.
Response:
7.13.56
